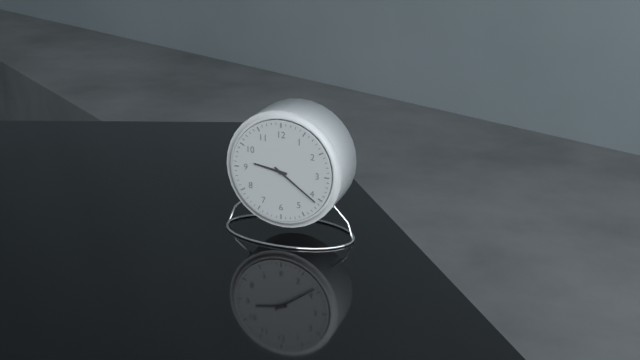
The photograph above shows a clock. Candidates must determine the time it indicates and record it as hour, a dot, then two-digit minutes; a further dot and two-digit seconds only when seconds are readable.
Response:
9.21
